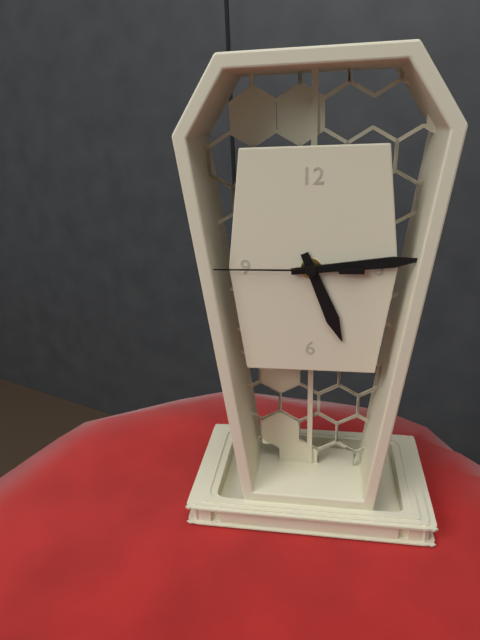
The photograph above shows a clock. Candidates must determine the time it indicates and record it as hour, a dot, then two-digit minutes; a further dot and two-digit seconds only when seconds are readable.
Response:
5.14.45
